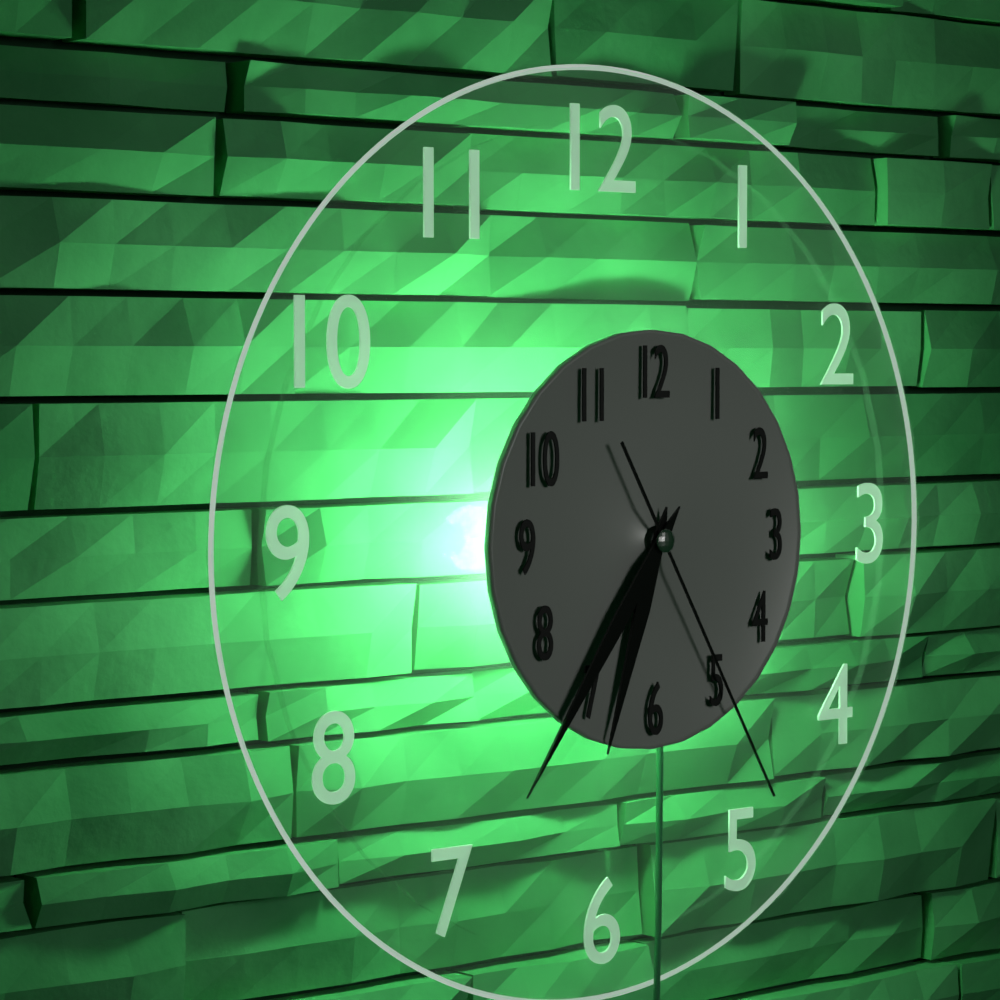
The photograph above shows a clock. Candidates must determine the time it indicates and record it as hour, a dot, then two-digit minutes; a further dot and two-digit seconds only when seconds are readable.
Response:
6.36.25
